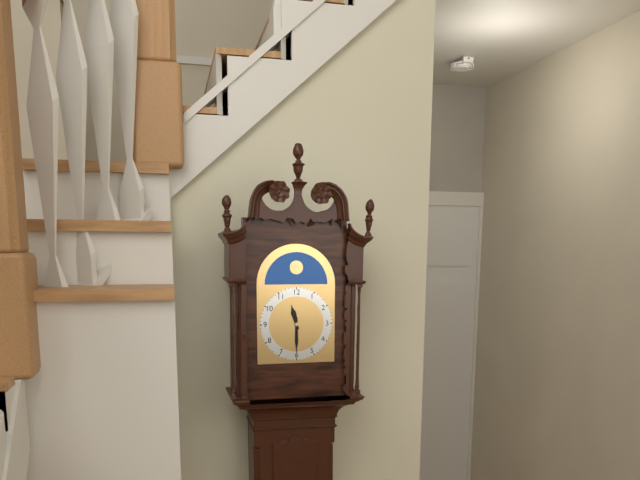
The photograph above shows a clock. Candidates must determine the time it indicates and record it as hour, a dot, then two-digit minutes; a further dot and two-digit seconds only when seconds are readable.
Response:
11.30
